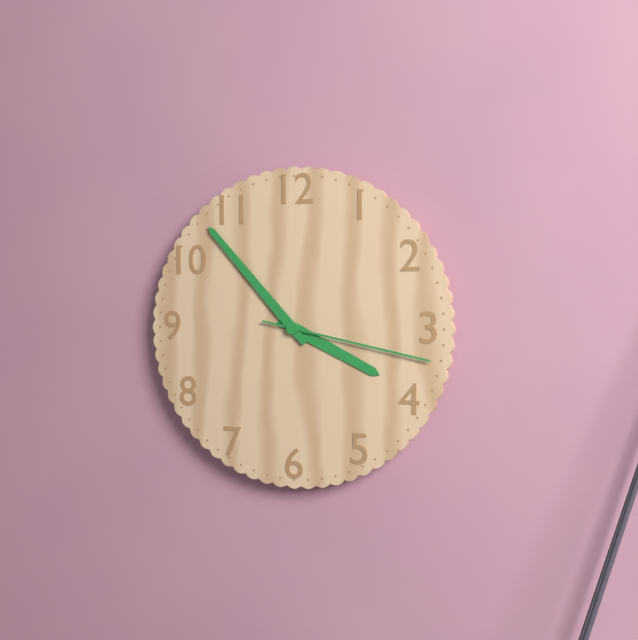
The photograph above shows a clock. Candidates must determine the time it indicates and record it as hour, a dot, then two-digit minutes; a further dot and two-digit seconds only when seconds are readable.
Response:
3.53.17
